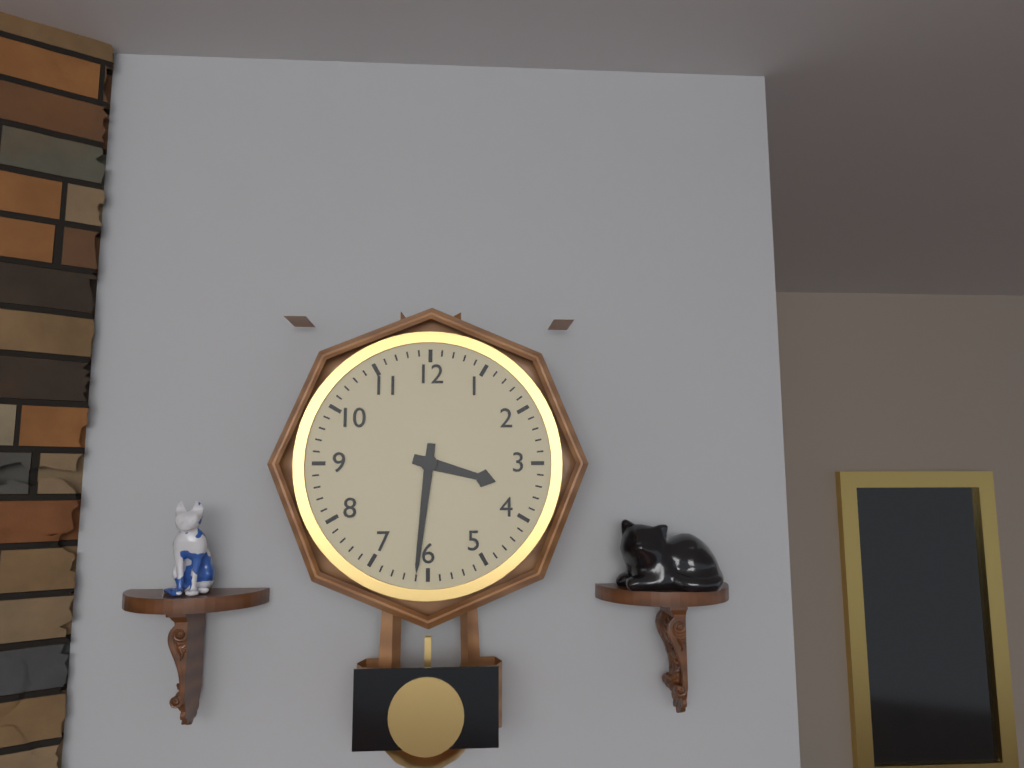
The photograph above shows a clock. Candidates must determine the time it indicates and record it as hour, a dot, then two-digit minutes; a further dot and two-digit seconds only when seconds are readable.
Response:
3.31
